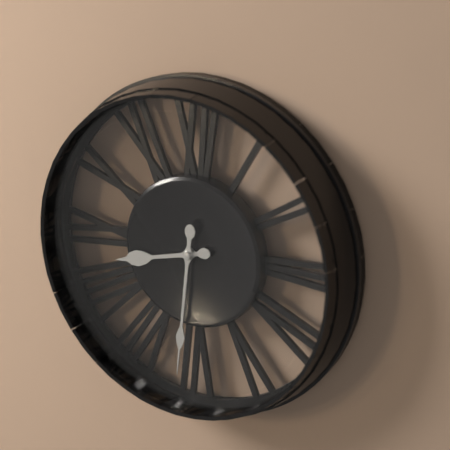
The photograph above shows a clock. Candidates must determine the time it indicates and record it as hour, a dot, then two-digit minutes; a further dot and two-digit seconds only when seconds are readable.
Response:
8.31
